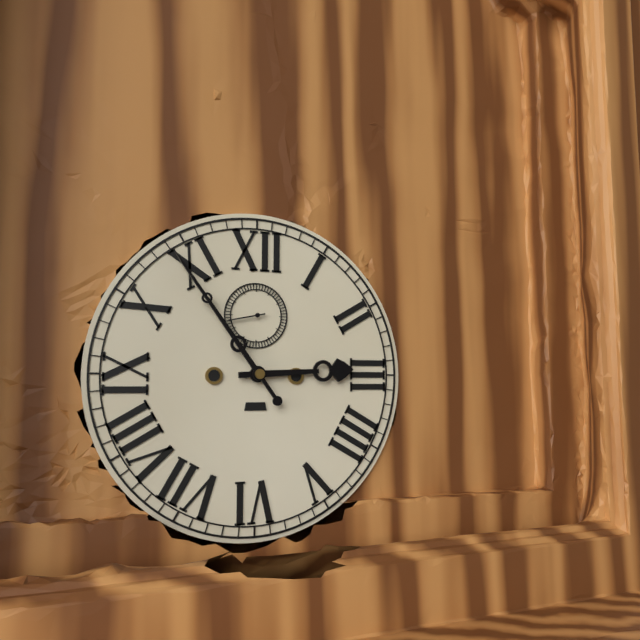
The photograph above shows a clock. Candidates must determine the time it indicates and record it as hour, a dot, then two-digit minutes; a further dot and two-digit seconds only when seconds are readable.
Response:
2.54
